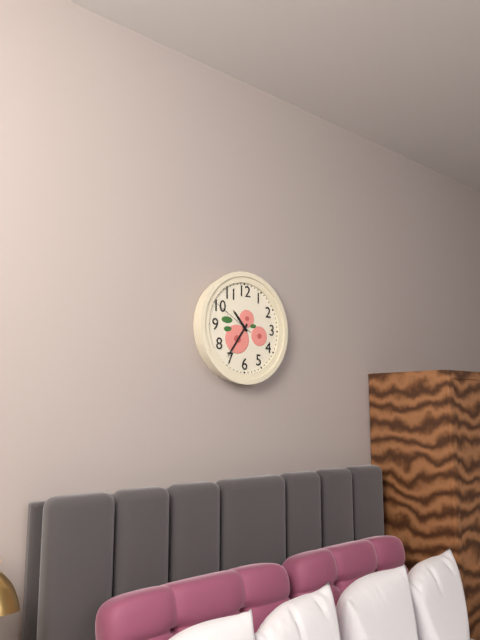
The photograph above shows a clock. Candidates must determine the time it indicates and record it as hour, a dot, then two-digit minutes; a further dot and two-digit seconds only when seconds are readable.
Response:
10.36
